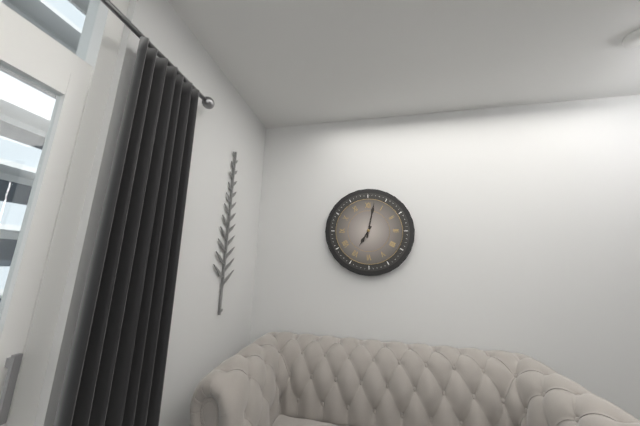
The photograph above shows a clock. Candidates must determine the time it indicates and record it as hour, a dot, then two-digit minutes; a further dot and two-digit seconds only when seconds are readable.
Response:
7.02
